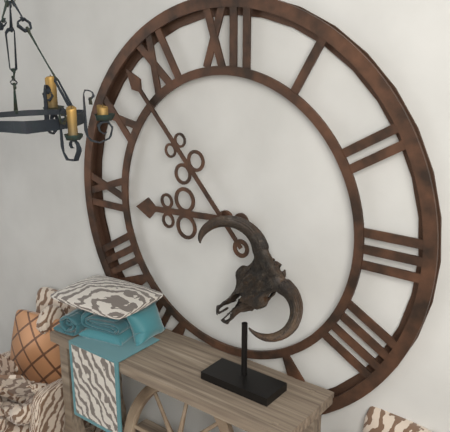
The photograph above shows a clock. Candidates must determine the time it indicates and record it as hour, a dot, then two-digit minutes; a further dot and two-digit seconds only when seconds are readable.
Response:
8.53
